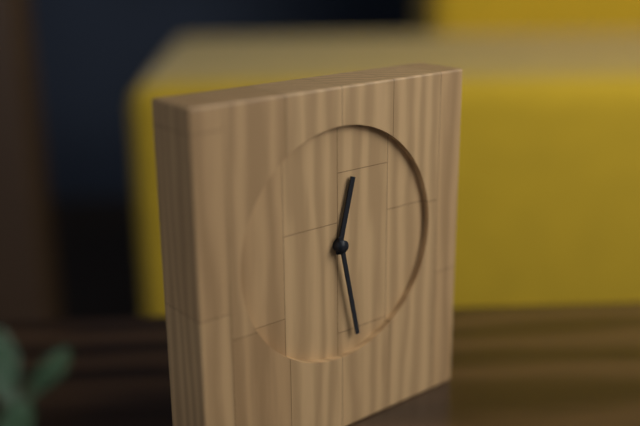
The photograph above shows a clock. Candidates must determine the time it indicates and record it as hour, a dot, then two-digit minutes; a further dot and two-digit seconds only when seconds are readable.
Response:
12.28
